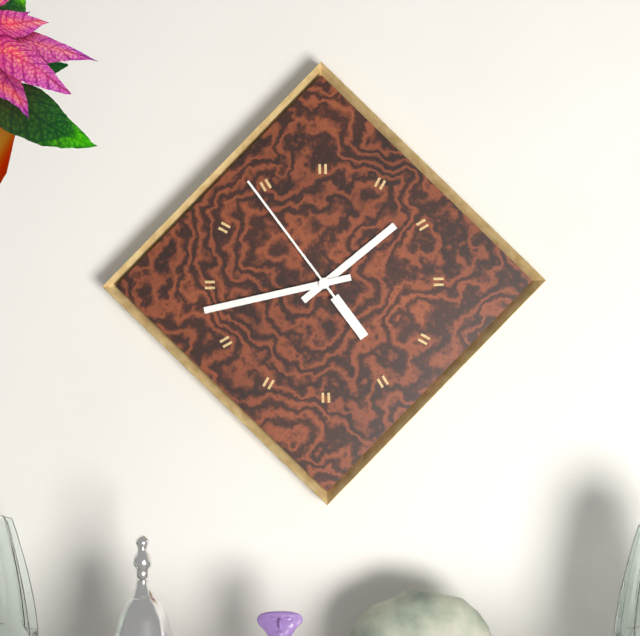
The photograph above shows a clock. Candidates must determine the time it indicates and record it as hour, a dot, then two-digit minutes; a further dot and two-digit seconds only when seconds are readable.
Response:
1.43.54
